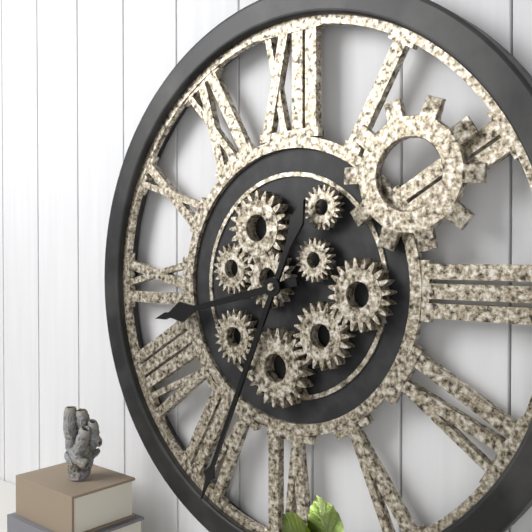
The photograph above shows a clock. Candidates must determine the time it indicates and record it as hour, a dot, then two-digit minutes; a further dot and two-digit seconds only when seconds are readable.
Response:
8.34
